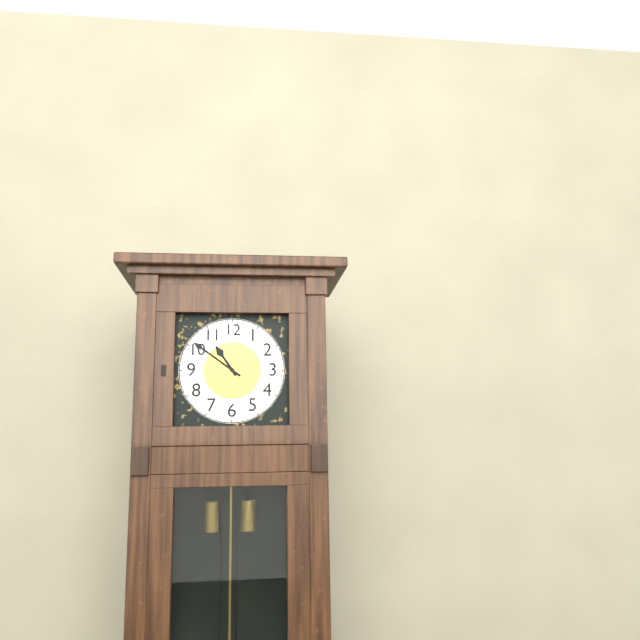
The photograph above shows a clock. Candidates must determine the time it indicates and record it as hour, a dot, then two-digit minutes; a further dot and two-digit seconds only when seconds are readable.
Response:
10.51
